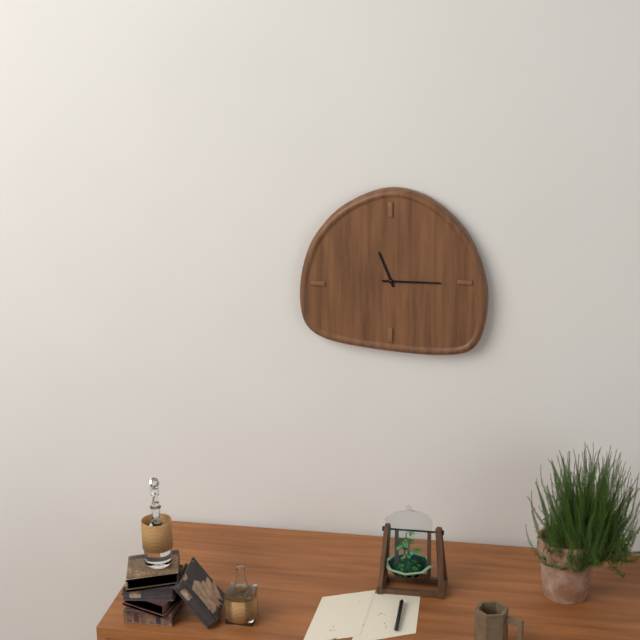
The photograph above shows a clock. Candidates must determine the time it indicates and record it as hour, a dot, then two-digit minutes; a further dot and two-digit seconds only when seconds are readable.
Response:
11.15
